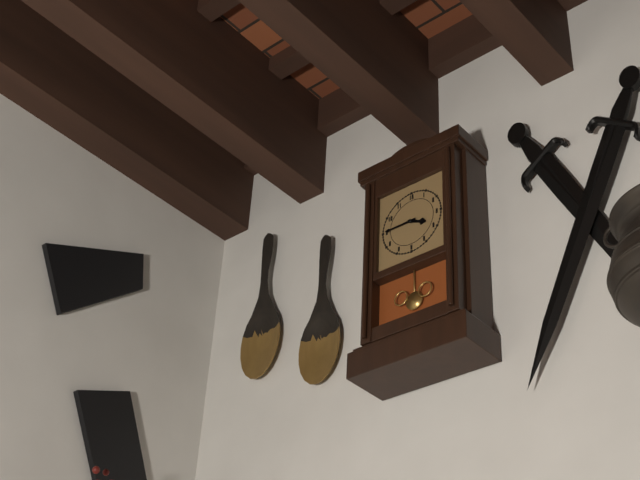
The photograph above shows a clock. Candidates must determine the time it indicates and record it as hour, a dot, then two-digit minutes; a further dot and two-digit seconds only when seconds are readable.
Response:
3.45
